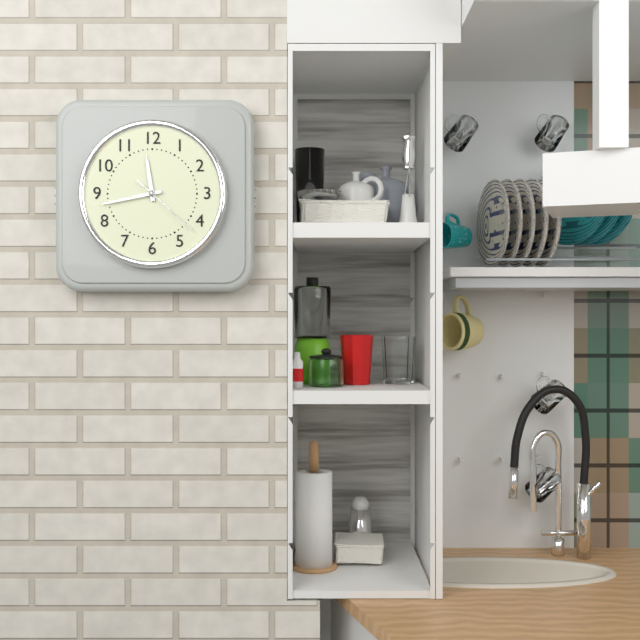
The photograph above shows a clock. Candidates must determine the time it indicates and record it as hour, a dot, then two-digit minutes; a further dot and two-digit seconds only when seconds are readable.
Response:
11.43.22
